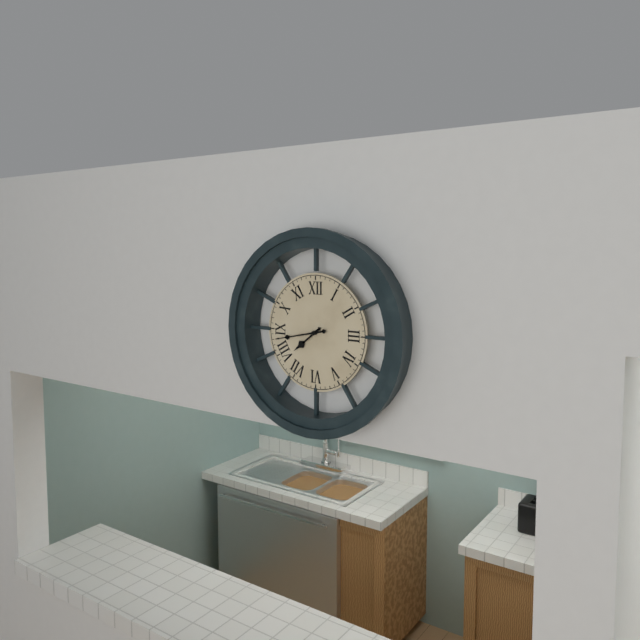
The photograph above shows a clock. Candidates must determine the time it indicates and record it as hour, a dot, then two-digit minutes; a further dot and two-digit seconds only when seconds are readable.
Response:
7.43
